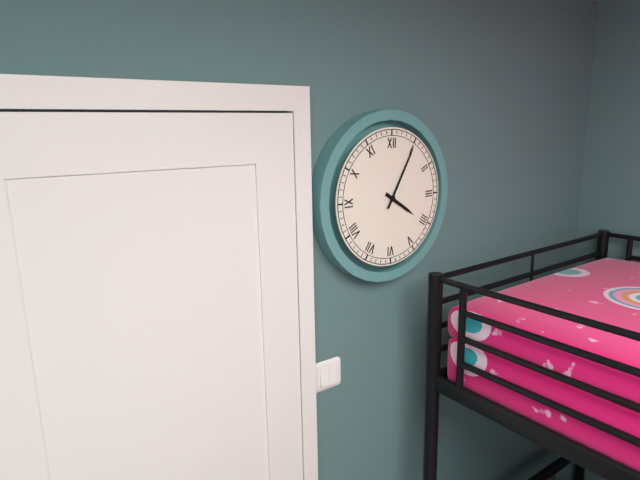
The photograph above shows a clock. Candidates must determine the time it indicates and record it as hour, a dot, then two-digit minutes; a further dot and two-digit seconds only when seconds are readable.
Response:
4.05
